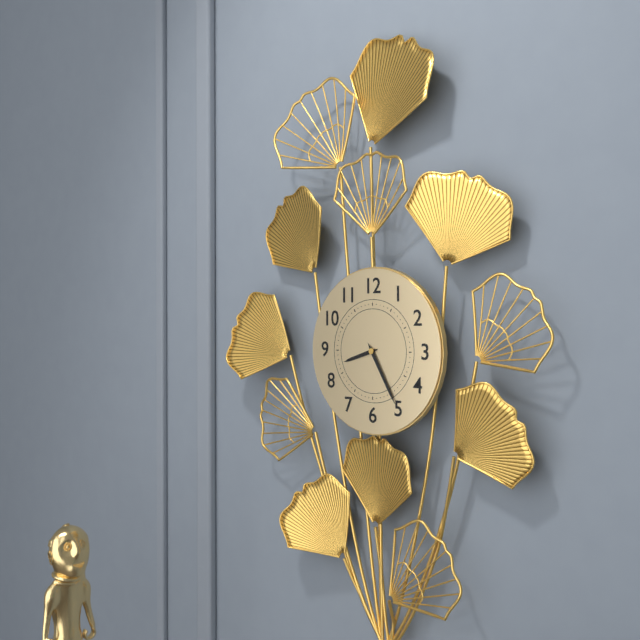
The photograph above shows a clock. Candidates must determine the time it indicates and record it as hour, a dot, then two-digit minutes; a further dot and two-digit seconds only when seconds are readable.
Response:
8.25
